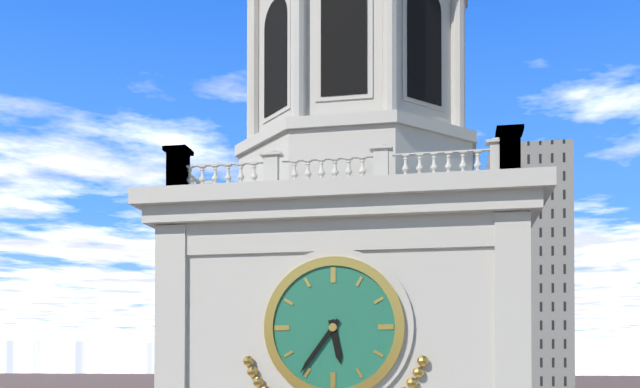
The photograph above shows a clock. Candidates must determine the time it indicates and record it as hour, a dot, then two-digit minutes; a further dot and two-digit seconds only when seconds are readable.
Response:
5.36
